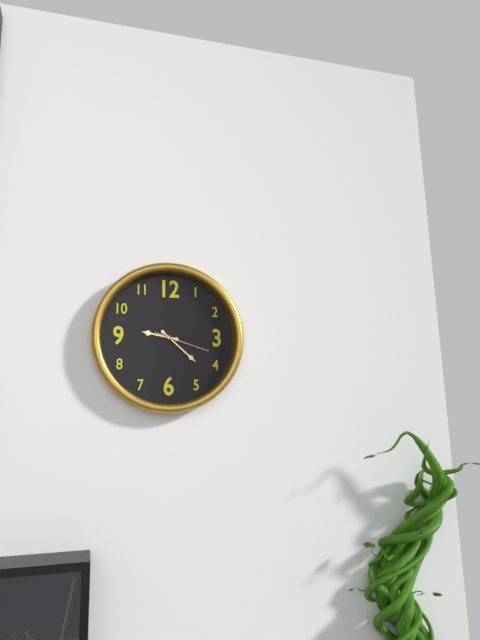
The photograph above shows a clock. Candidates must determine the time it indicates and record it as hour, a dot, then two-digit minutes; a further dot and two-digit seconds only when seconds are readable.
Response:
9.22.18
